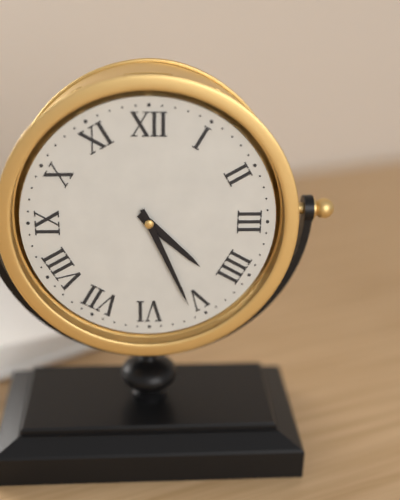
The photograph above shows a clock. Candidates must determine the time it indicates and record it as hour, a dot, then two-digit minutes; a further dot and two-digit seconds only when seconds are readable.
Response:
4.26
